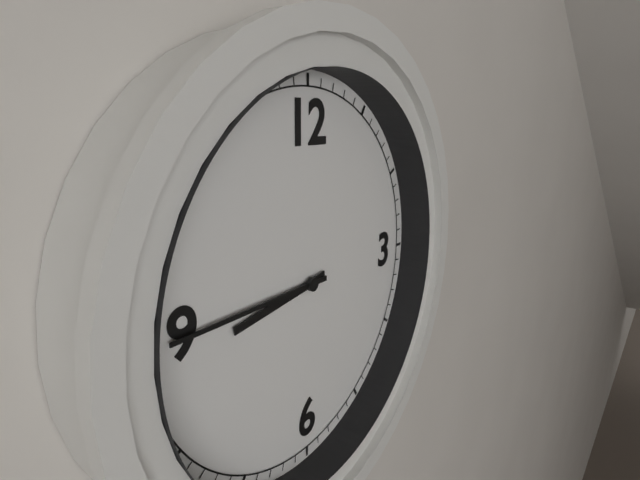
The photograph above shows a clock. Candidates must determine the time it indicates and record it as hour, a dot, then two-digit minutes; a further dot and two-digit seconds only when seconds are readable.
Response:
8.45
